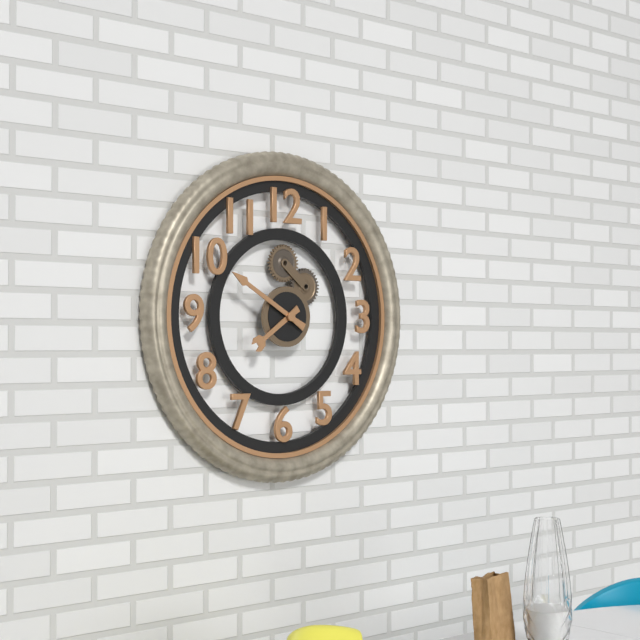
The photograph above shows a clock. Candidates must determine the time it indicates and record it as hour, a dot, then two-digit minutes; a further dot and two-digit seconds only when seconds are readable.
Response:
7.50
